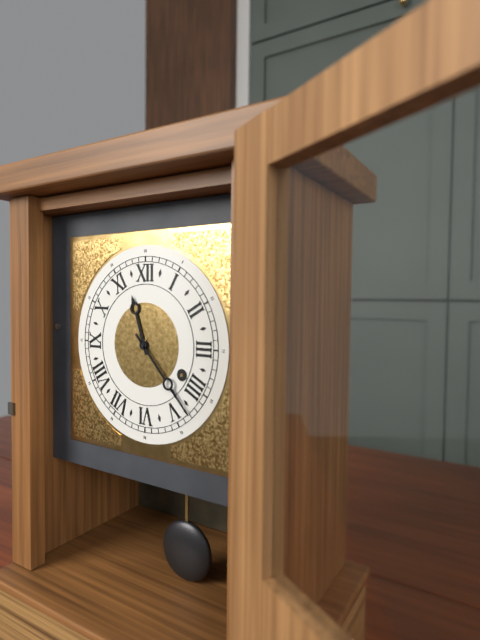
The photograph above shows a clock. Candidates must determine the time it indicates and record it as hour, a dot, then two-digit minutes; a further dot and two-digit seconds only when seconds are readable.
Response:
11.23
